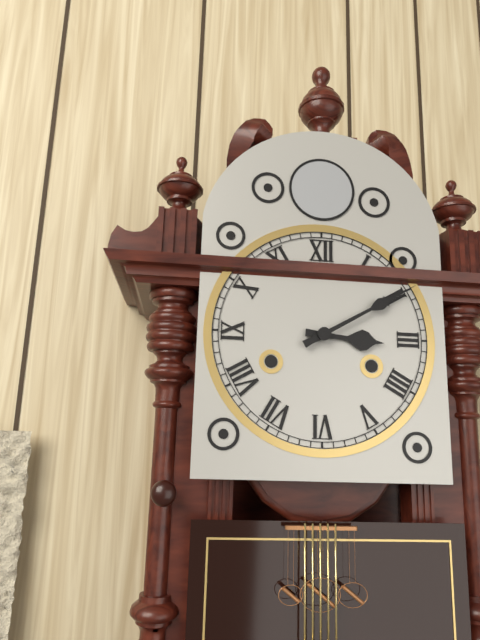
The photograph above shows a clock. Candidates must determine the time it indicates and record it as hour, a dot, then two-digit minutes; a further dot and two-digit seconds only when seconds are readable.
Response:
3.10
